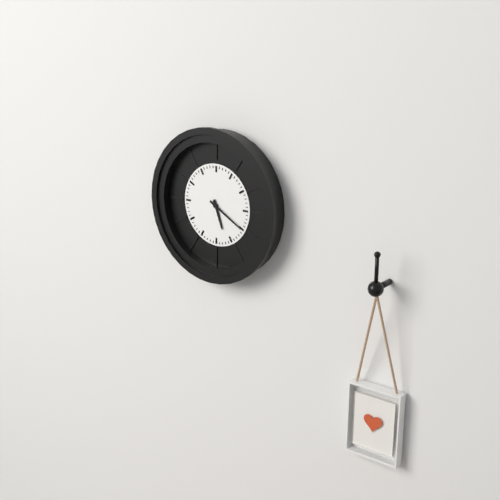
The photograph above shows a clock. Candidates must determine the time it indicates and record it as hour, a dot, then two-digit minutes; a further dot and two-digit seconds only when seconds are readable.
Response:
5.20
